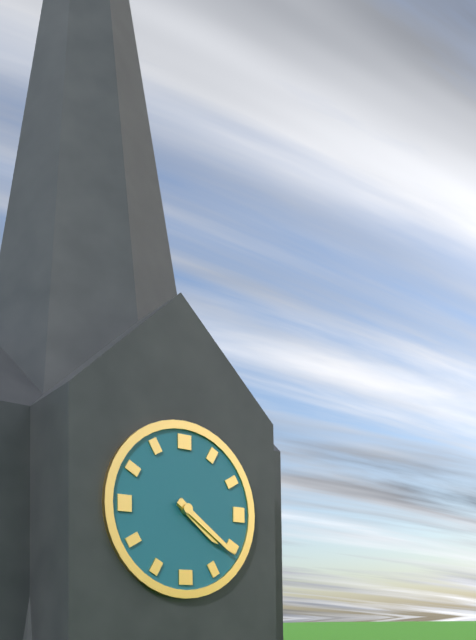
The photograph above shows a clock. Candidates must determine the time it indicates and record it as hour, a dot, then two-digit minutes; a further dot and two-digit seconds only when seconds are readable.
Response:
4.21
